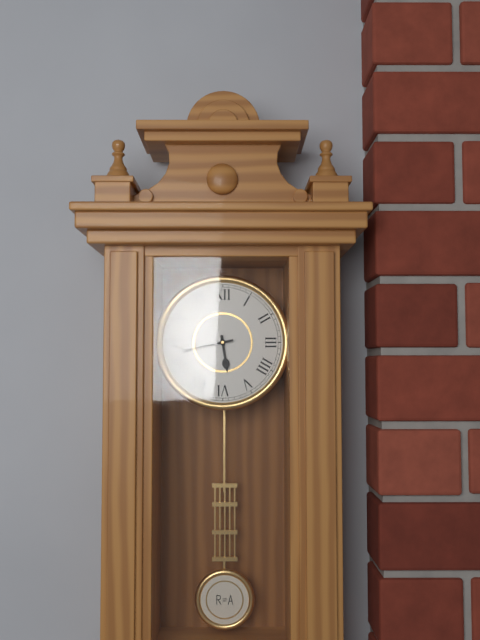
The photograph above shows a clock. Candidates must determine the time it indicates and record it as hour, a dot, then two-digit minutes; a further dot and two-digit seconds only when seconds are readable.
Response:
5.43
